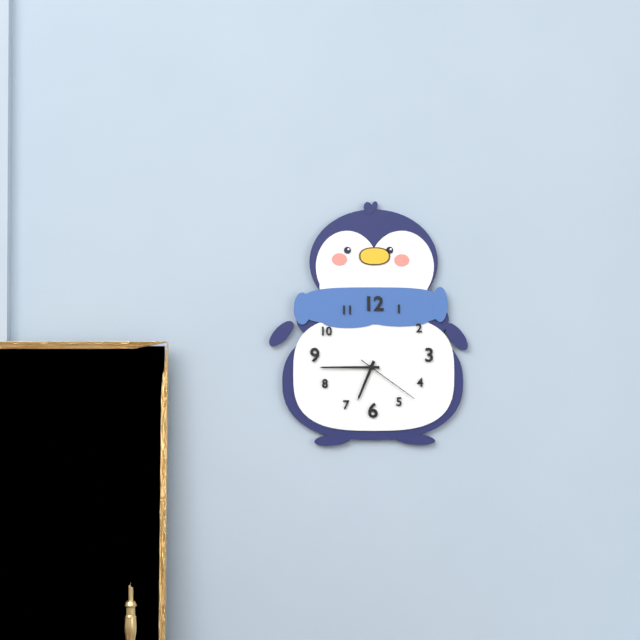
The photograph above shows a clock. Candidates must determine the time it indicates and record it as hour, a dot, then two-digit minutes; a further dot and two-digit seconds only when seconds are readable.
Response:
6.45.21
